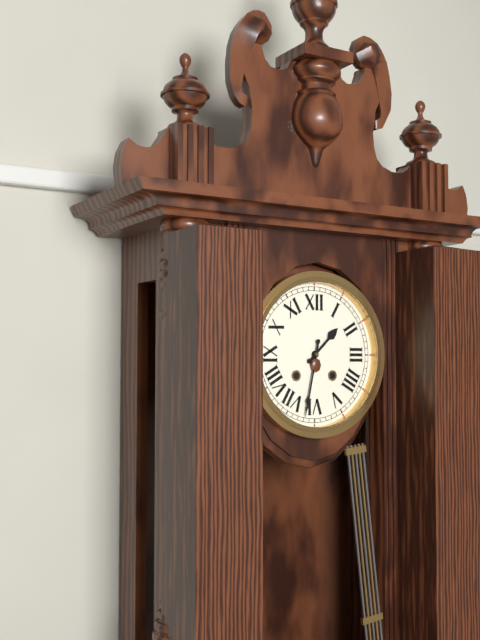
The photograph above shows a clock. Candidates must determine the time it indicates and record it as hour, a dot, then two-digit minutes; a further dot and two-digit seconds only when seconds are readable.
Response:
1.32
